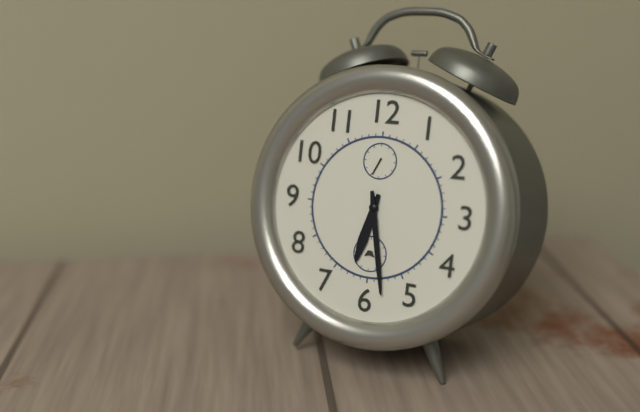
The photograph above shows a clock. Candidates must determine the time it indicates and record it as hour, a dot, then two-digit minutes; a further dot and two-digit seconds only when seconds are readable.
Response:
6.28
